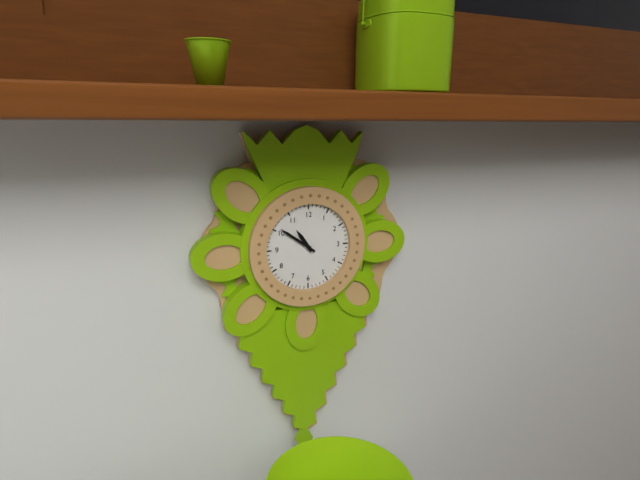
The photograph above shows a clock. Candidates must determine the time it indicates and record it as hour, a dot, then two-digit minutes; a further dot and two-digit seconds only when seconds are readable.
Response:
10.51
